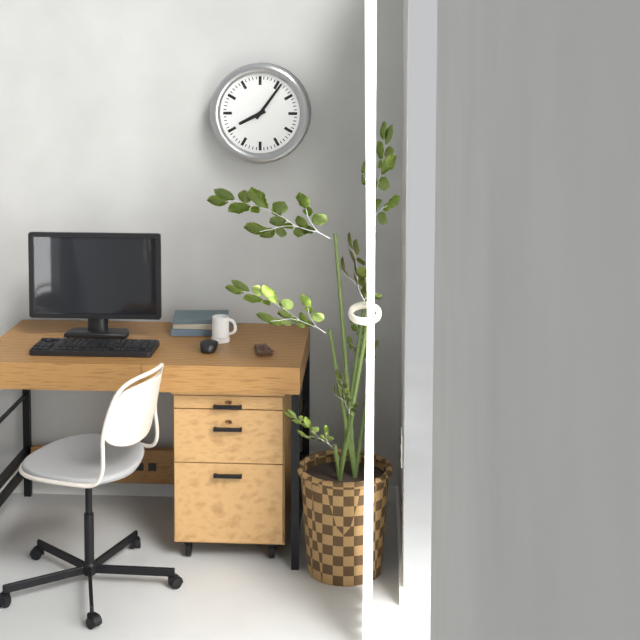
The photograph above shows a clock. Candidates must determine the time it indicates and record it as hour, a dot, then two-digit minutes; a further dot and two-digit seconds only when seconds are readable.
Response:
8.06
